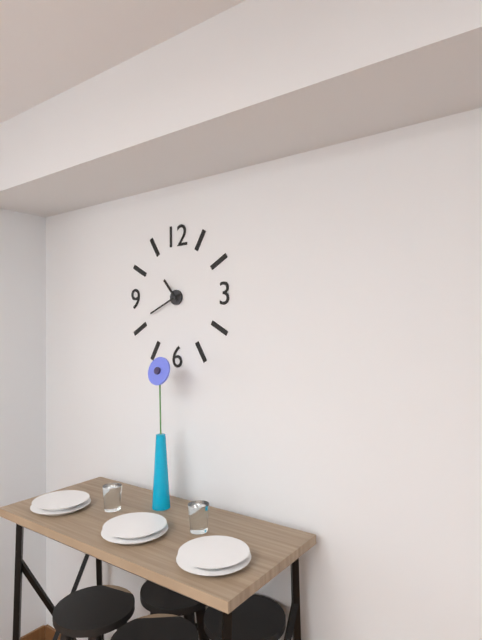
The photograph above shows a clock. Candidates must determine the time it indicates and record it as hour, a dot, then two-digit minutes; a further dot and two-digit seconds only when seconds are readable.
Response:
10.41
